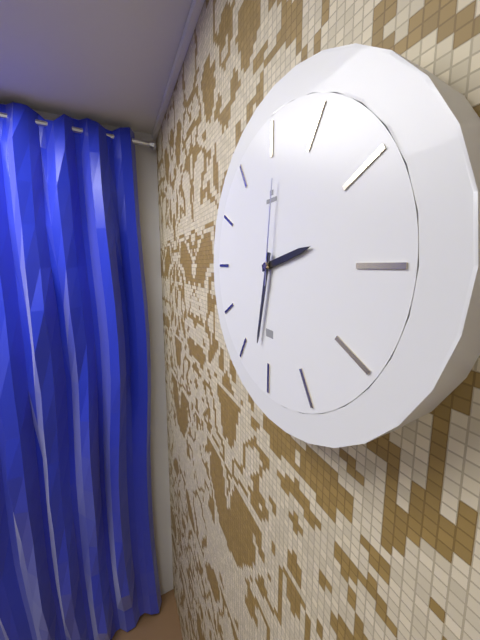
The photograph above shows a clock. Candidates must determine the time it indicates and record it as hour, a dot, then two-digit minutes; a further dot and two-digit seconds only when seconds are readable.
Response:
2.32.01
